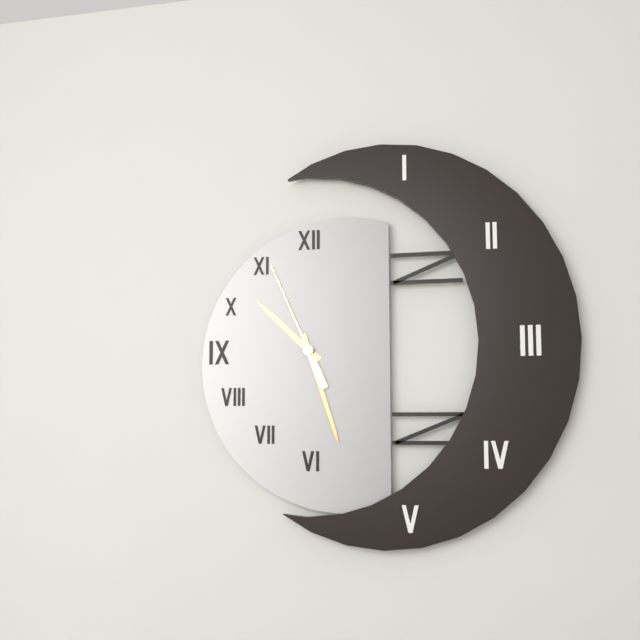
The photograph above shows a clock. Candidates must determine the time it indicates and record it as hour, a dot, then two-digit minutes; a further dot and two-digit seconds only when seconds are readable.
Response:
10.27.56
